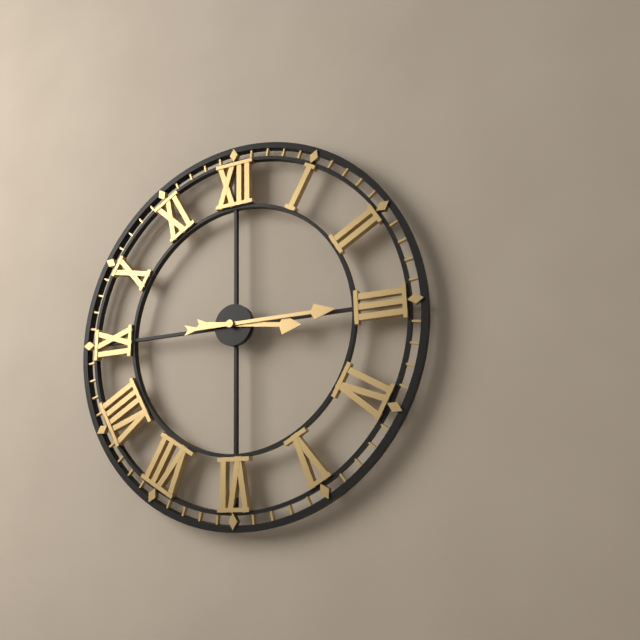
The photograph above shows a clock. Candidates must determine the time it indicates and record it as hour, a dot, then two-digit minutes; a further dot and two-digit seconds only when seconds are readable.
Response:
3.15
